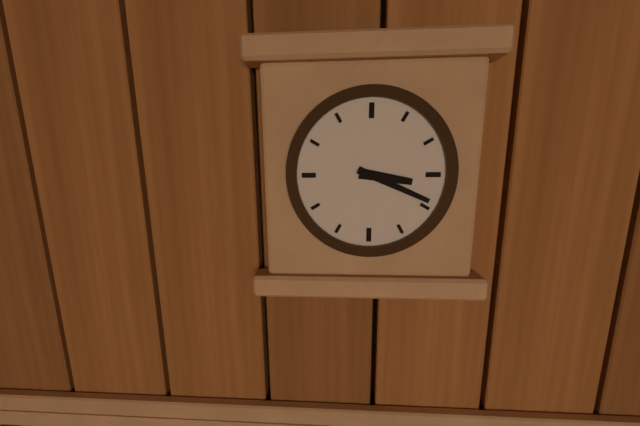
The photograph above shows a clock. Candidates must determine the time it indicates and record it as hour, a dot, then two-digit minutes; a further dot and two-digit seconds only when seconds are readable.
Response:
3.19
